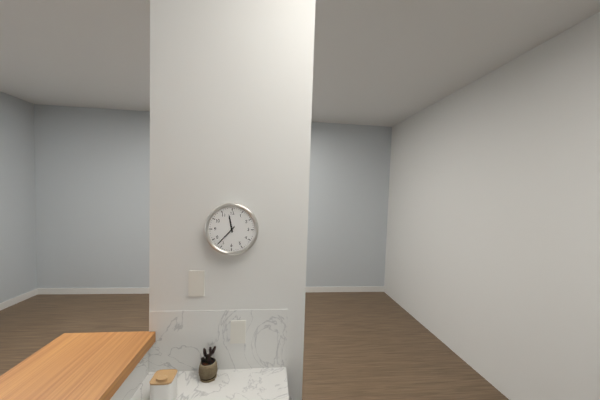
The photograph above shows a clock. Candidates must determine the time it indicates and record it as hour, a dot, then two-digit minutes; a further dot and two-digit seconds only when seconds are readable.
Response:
11.37
